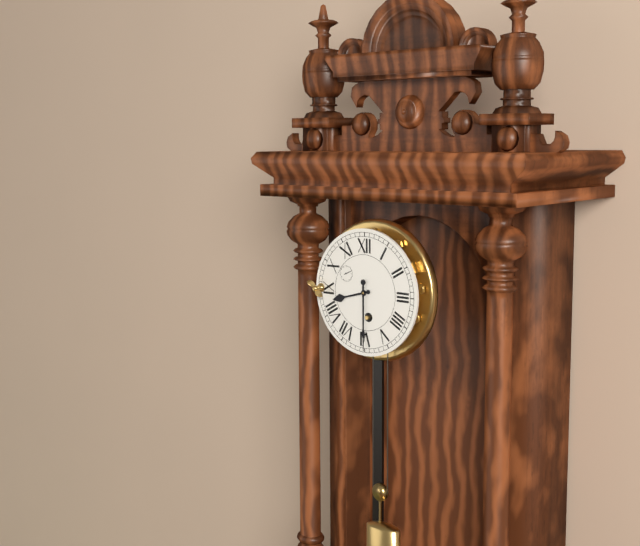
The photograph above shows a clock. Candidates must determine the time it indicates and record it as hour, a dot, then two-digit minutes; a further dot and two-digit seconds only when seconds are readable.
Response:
8.30
